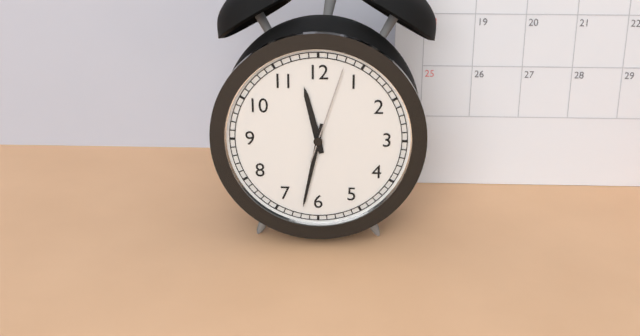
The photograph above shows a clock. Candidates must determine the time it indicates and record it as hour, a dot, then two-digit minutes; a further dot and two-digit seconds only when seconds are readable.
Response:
11.32.03
